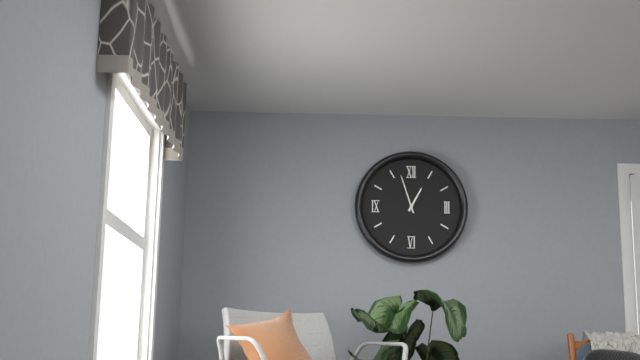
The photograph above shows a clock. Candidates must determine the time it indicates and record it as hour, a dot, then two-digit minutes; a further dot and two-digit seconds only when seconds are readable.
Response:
12.57
